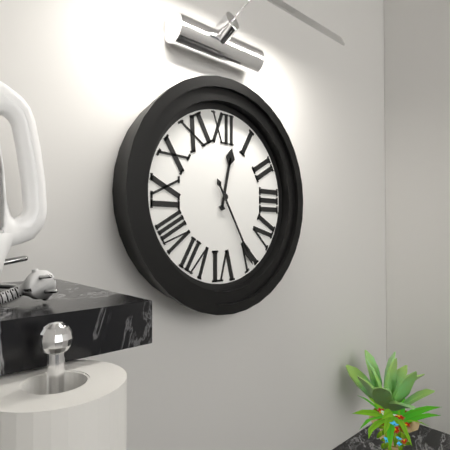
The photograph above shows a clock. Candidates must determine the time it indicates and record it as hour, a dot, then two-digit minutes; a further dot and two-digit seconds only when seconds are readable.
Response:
12.25
